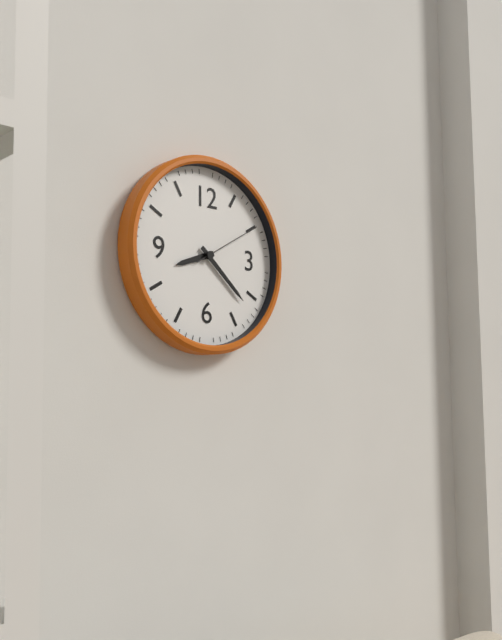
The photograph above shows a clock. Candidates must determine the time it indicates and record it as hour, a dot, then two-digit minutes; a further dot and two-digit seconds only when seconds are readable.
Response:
8.22.10
